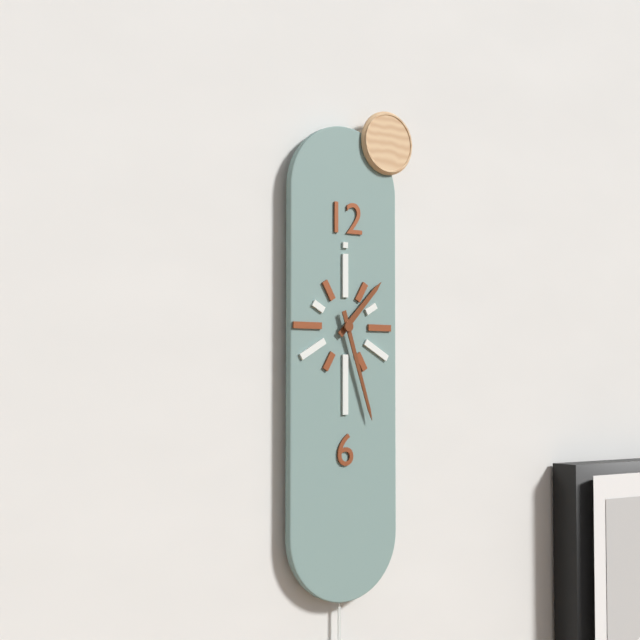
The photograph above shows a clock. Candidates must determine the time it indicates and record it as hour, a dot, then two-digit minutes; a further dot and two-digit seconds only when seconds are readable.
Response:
1.27
